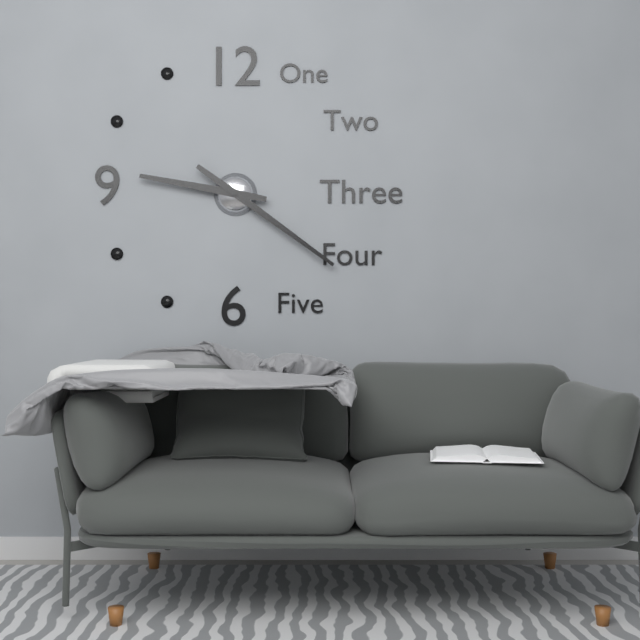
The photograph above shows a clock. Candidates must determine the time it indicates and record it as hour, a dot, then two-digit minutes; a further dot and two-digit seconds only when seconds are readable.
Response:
9.21
